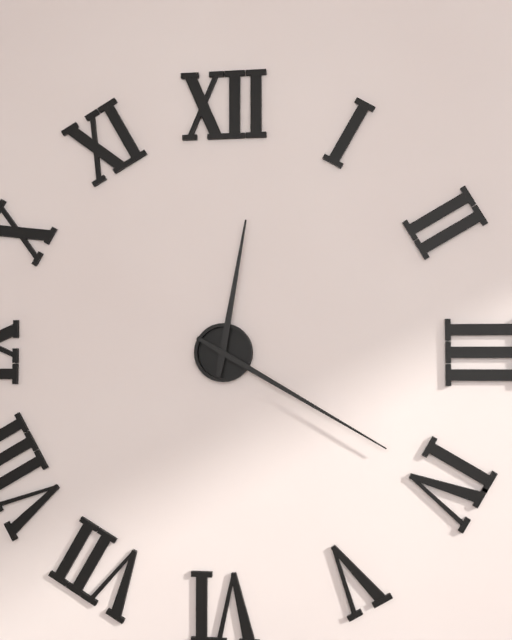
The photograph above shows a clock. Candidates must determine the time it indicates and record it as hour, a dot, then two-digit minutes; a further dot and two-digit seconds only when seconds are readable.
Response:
12.20
